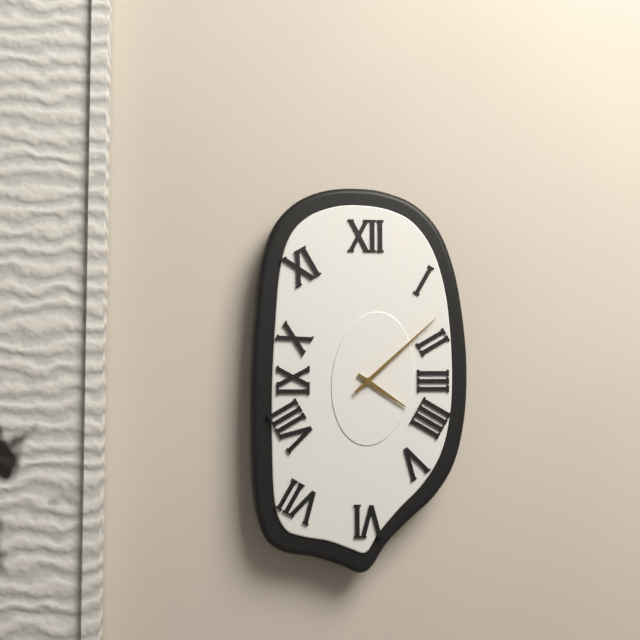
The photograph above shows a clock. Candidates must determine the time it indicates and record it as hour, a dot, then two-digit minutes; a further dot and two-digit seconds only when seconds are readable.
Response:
4.08
